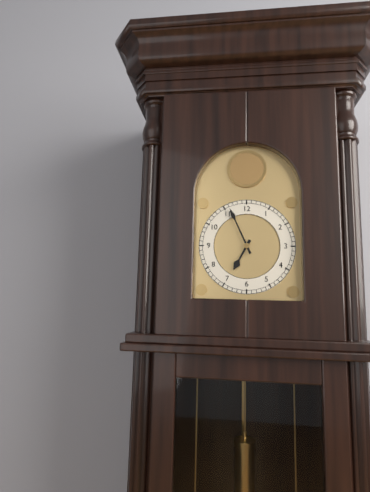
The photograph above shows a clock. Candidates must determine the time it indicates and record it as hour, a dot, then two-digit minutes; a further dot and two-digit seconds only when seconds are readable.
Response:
6.56
